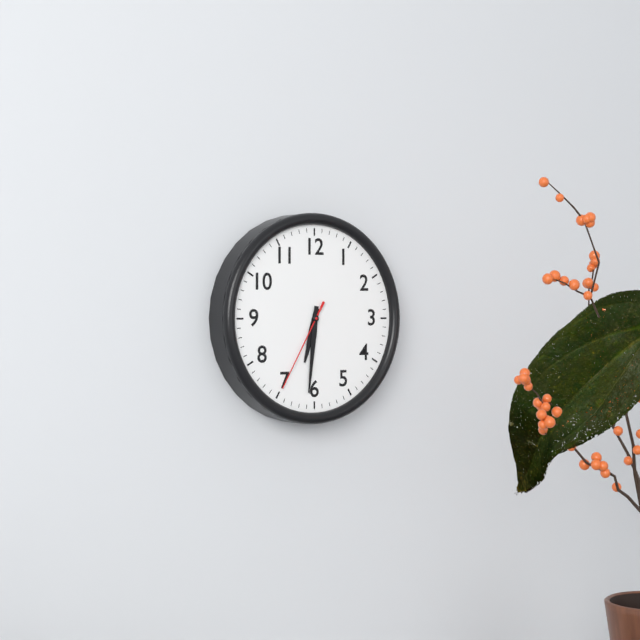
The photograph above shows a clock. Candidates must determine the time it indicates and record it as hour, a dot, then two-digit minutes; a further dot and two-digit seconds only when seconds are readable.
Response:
6.31.35
